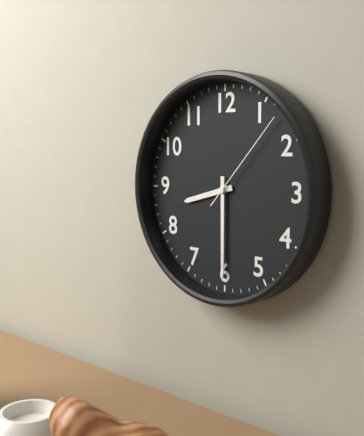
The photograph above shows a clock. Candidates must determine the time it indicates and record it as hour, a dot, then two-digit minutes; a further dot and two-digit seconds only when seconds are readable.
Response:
8.30.07
